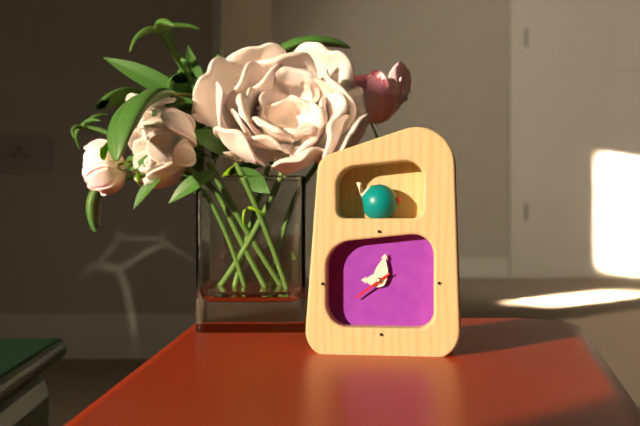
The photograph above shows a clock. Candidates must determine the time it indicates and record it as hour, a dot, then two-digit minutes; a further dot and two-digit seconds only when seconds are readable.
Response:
9.02
